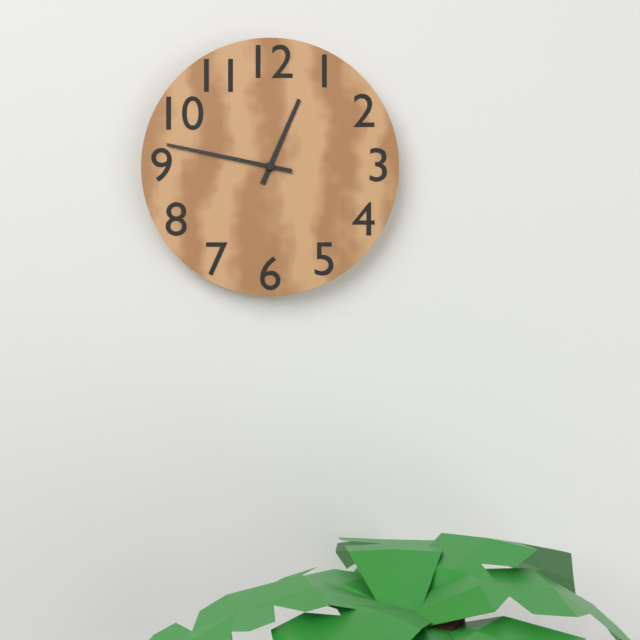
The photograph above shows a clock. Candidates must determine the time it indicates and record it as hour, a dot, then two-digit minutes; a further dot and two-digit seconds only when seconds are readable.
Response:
12.47
